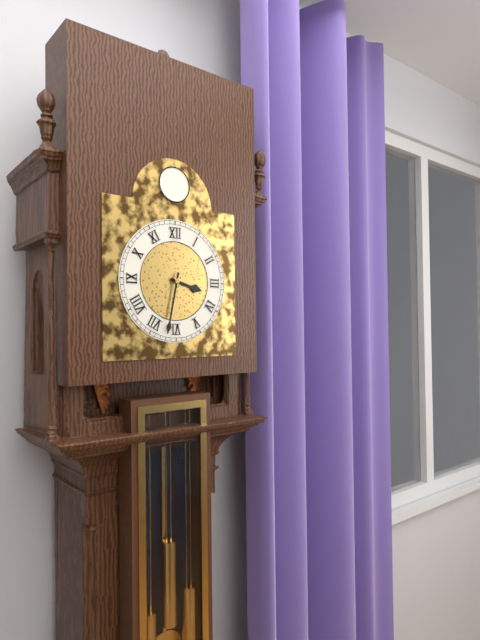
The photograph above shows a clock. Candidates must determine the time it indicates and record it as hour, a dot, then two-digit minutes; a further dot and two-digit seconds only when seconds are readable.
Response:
3.32
